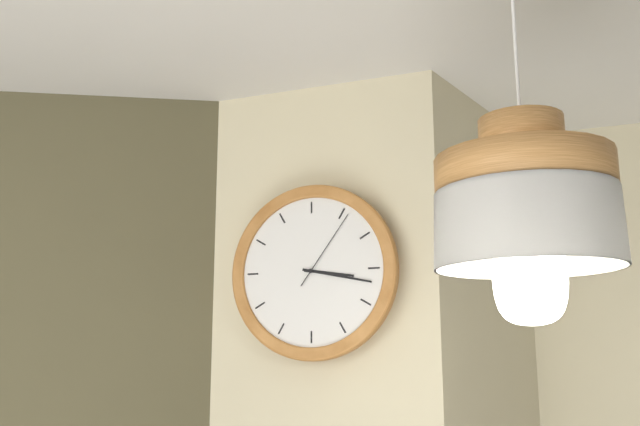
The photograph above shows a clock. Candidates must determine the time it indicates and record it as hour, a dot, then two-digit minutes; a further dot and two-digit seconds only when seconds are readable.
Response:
3.17.06
